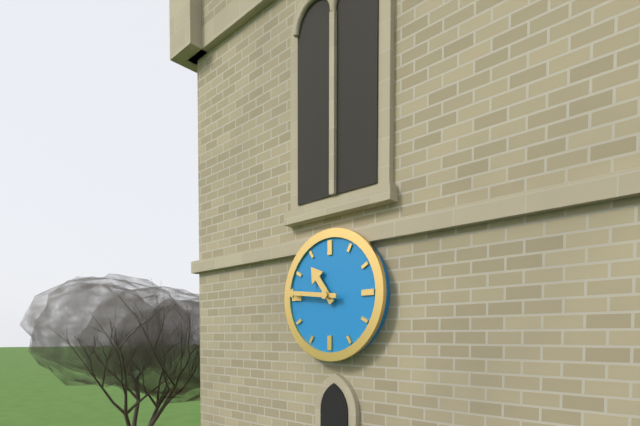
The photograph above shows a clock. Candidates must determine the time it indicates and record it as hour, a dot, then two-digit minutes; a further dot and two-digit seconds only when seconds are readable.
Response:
10.46
